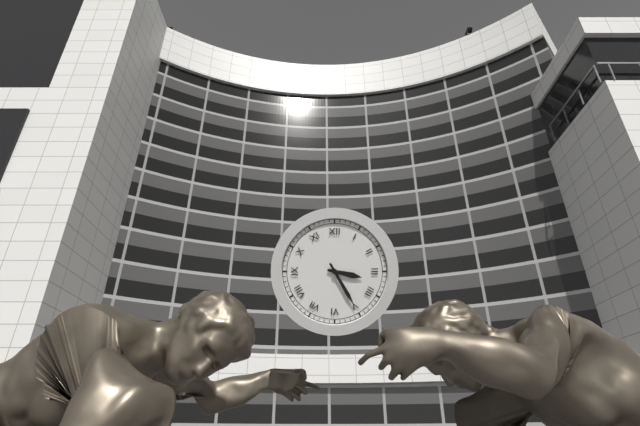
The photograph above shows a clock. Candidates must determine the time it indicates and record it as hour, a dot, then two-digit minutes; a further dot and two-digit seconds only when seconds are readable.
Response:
3.25
